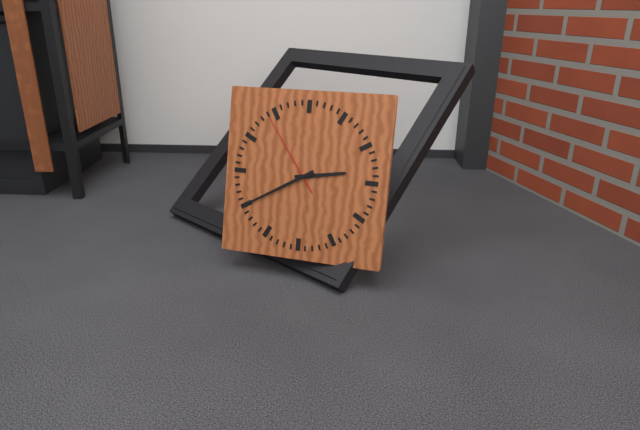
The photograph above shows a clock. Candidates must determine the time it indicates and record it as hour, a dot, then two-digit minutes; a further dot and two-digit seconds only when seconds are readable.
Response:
2.40.54
